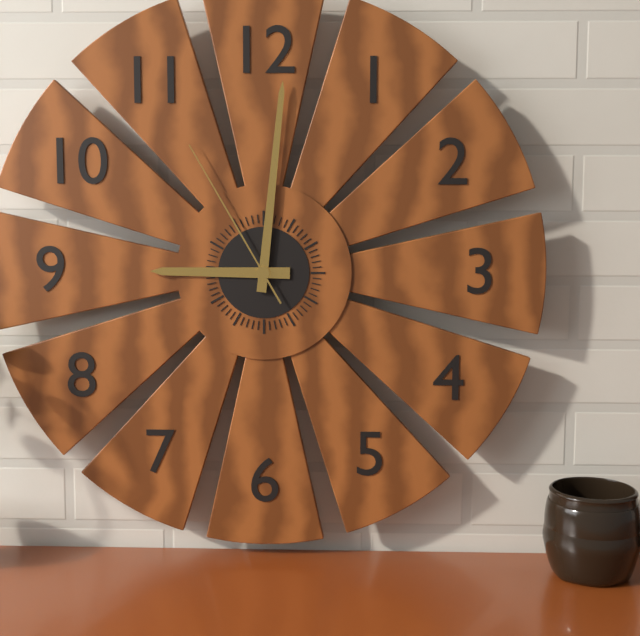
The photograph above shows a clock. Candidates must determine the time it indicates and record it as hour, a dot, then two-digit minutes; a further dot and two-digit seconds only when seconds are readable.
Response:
9.01.55
